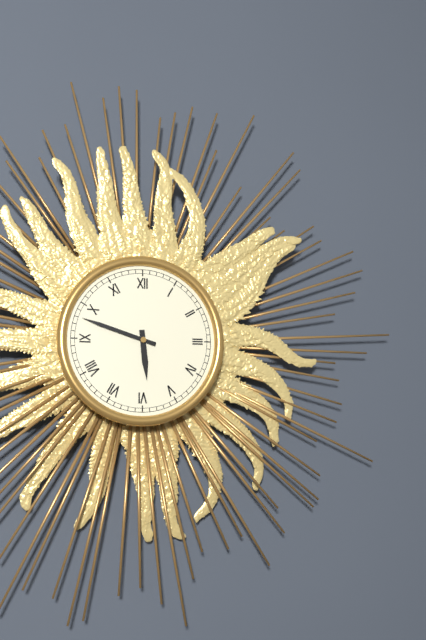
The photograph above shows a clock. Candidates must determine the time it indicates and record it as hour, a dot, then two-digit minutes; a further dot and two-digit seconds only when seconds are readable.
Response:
5.48
